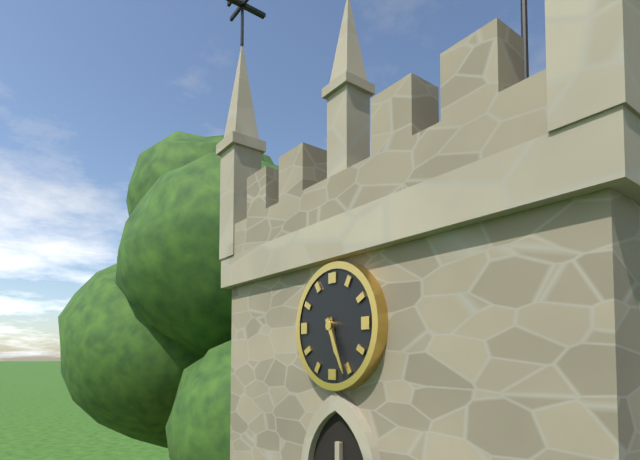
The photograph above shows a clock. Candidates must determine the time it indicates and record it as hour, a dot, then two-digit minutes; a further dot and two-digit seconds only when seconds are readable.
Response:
5.26
